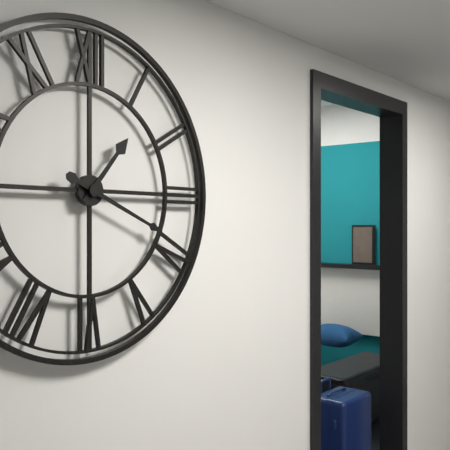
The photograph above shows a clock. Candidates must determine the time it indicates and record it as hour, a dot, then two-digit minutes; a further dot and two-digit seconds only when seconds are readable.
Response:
1.19
